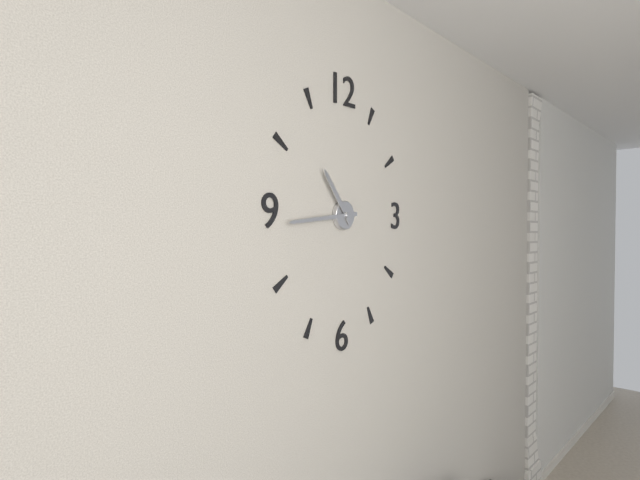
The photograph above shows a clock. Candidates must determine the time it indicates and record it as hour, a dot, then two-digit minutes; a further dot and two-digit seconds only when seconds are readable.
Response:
10.44
